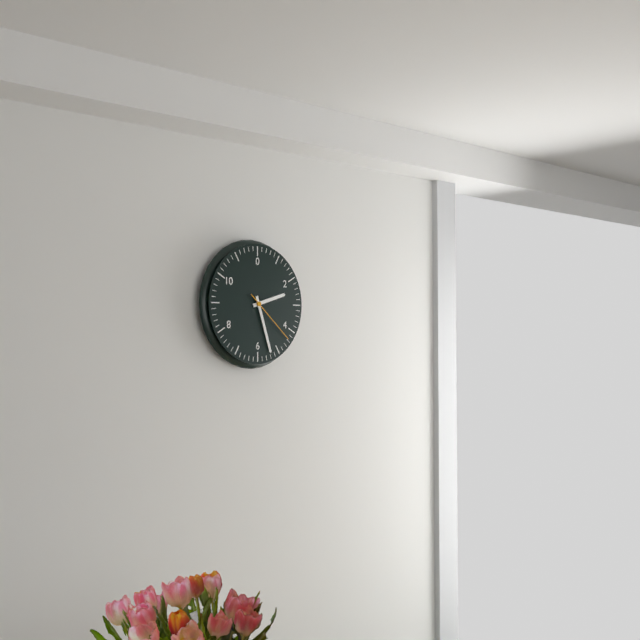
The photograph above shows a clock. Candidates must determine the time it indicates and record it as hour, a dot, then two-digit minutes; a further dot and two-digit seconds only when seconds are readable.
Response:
2.27.22
